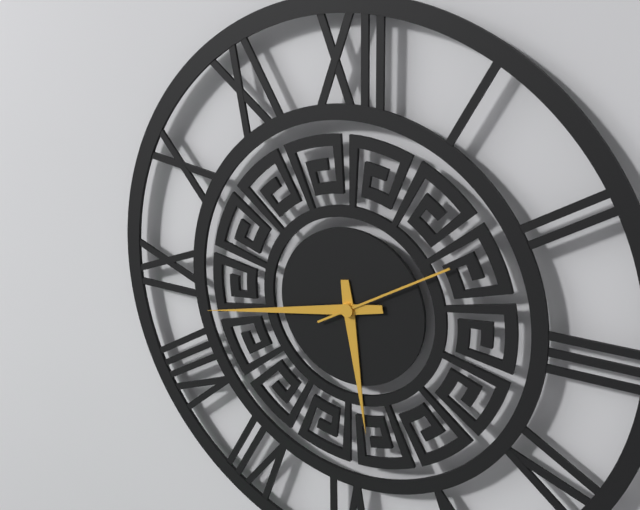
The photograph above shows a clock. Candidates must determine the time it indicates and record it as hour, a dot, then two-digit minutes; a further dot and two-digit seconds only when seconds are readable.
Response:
5.43.10
